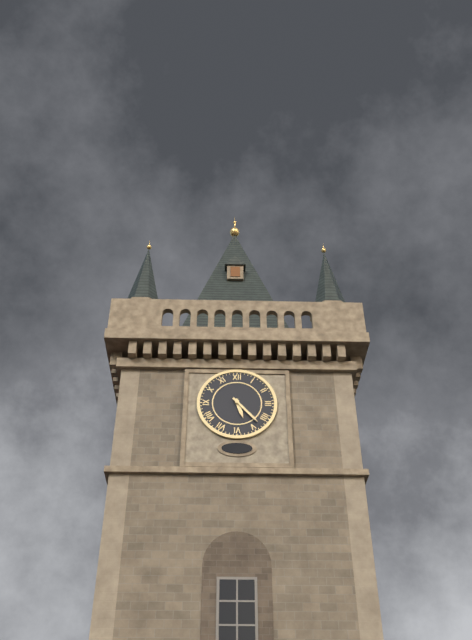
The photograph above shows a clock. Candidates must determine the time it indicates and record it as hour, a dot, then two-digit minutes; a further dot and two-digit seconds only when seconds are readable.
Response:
5.23
